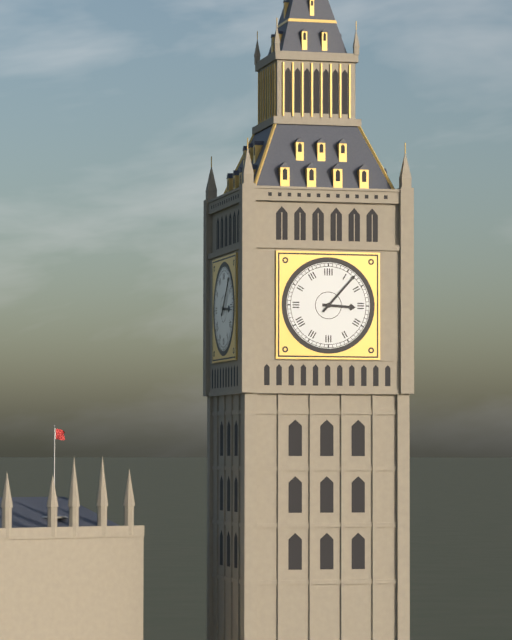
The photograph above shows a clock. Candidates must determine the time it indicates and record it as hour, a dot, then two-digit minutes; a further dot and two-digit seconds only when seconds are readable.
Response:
3.07
